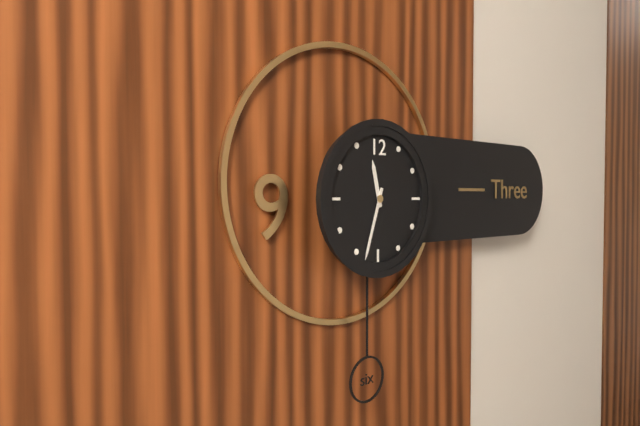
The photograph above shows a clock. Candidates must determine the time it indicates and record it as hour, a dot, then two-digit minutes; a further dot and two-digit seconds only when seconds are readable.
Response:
11.33
